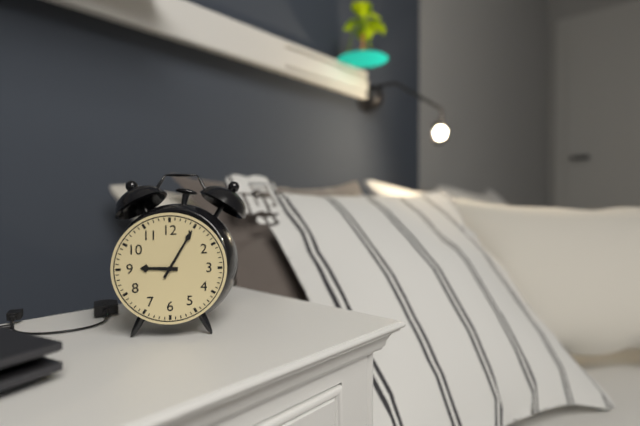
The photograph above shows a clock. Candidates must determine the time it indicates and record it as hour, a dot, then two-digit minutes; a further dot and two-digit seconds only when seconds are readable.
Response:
9.05
